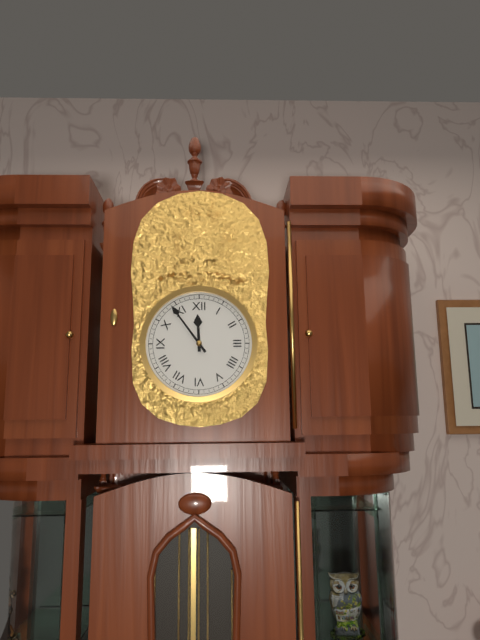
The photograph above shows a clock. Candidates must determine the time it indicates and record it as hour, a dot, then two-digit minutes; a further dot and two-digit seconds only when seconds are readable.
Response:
11.54
